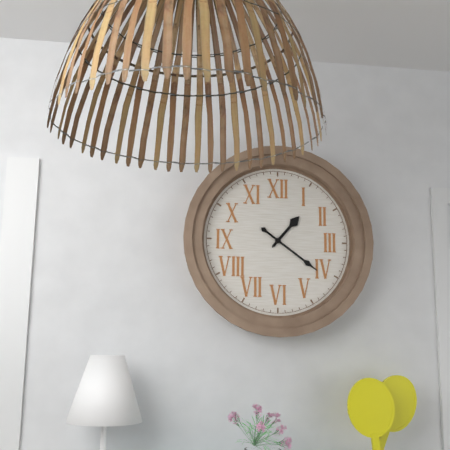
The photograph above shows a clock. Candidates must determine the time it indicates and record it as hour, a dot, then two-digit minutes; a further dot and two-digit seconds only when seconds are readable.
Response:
1.21
